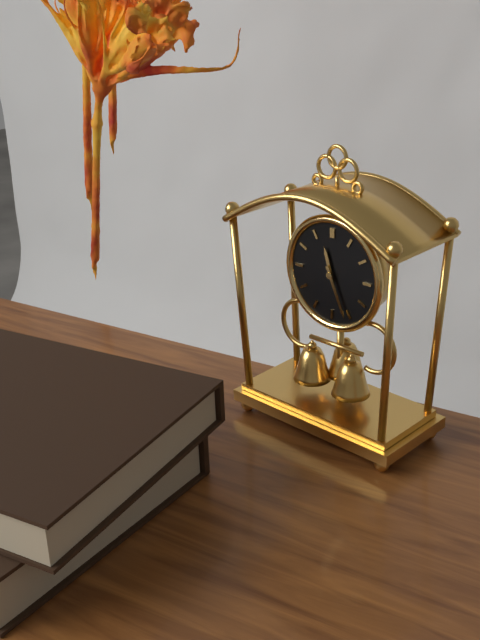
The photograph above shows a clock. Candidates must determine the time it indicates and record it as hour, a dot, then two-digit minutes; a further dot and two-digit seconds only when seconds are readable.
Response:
11.26
